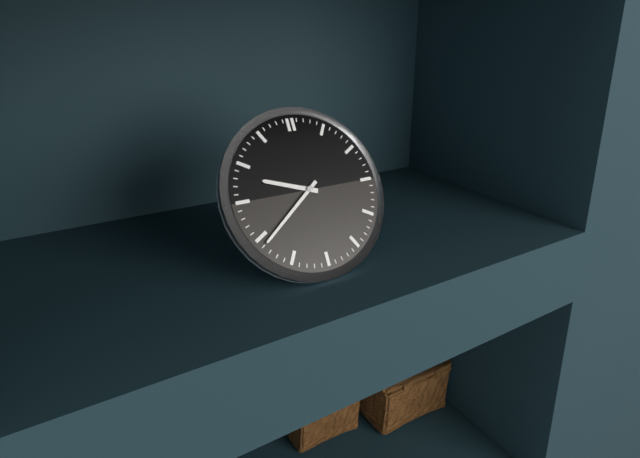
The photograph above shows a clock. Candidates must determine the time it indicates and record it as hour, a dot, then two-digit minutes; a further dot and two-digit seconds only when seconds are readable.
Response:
9.39
